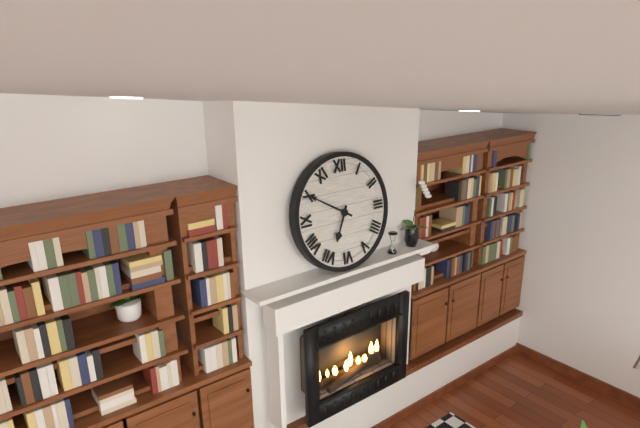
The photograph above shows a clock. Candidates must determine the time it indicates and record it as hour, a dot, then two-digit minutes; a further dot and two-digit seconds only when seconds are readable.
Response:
6.50
